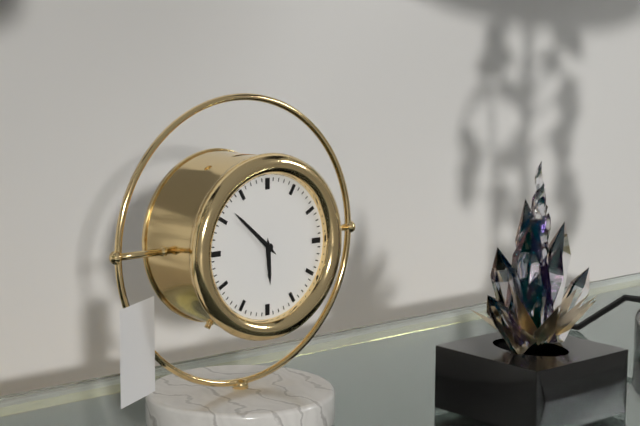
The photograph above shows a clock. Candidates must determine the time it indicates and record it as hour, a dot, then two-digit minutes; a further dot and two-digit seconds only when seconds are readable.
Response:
5.52
